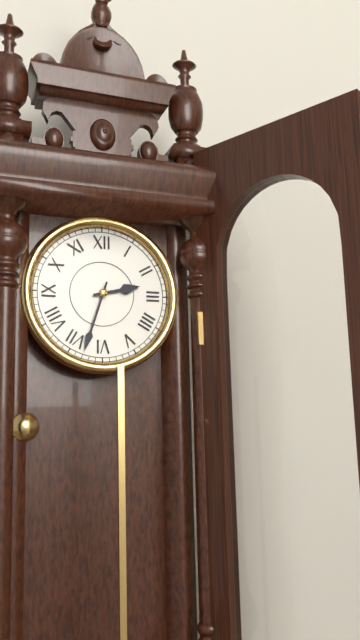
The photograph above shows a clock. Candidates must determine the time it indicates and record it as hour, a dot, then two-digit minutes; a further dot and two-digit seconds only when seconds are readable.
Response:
2.33
